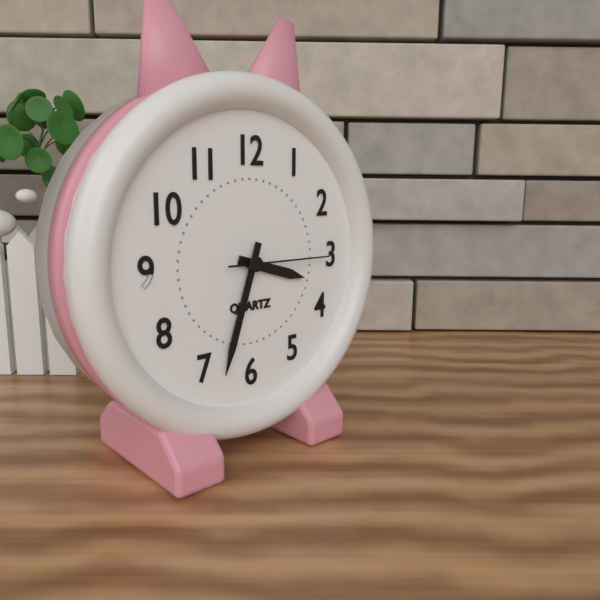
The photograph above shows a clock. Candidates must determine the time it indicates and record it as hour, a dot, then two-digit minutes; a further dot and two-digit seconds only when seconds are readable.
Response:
3.33.15
